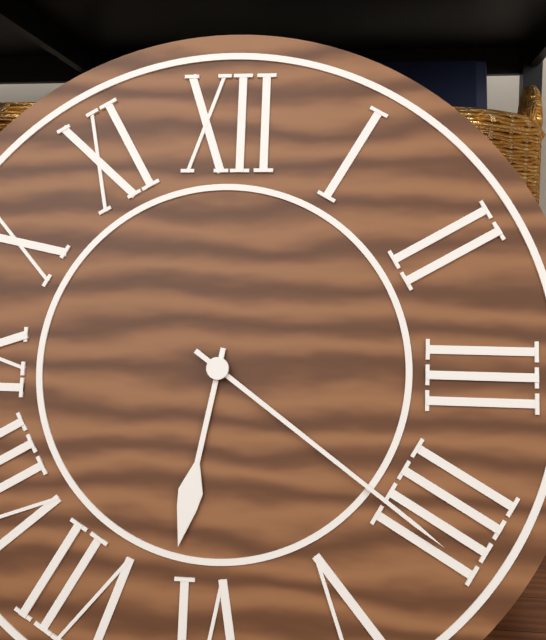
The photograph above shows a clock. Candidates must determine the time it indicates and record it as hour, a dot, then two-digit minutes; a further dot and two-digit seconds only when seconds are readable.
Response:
6.21
